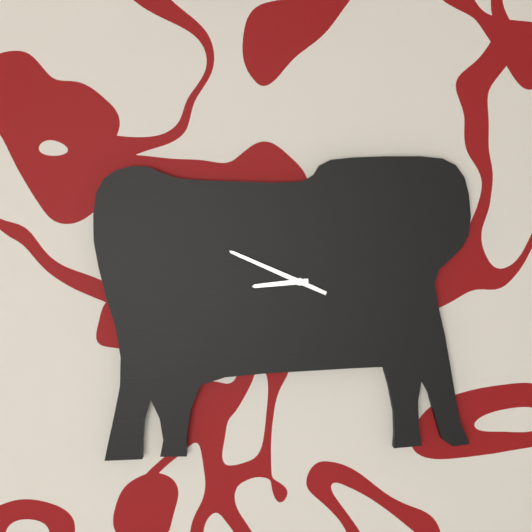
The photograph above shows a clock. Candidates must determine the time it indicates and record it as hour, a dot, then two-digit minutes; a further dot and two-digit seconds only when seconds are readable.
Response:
8.49
